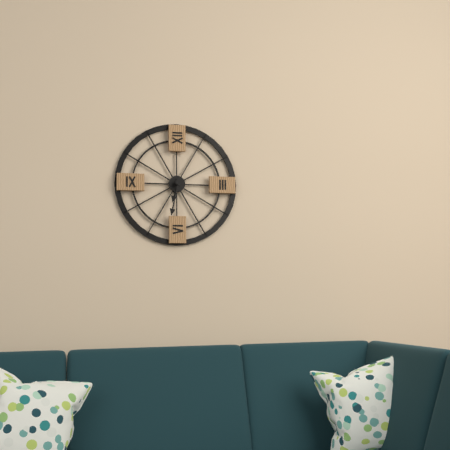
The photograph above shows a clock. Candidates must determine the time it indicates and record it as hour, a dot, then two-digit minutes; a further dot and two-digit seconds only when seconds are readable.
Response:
6.32
